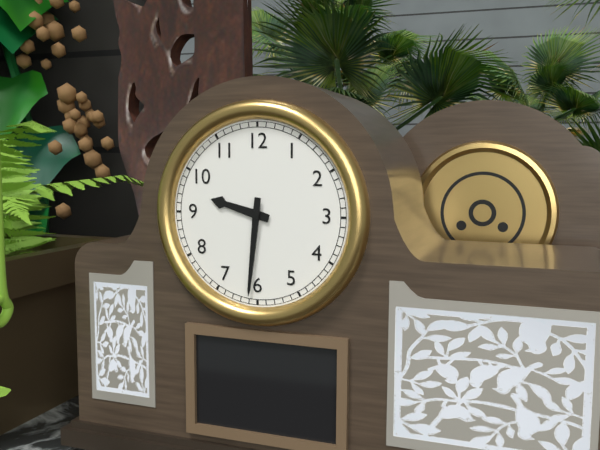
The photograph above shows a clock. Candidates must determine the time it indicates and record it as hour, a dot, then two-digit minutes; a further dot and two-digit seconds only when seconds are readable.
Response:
9.31
